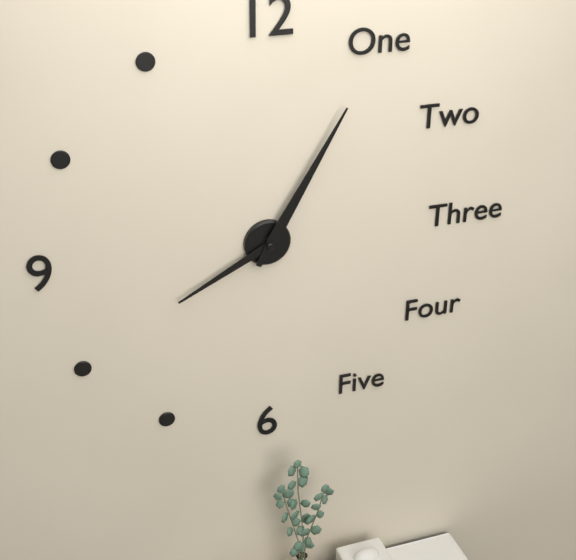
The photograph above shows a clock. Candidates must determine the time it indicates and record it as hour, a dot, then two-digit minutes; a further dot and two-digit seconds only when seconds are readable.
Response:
8.05
